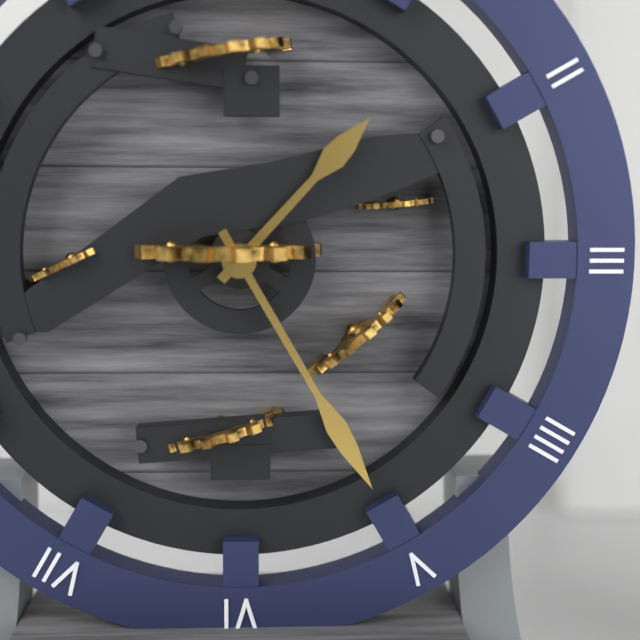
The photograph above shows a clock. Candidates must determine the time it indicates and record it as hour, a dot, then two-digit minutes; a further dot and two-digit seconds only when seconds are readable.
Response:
1.25
